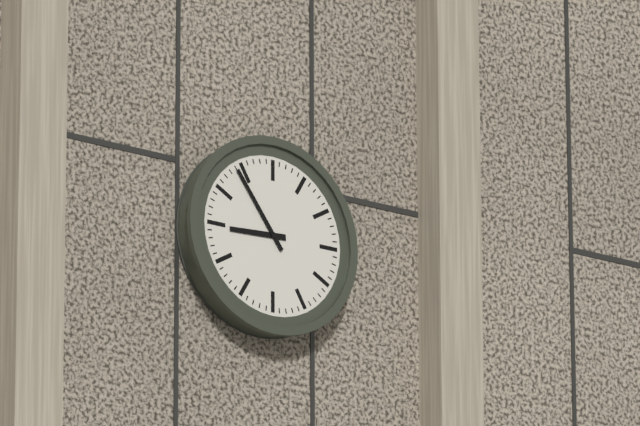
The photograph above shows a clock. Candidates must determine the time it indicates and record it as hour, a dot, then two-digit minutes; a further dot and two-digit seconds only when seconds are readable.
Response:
8.54
